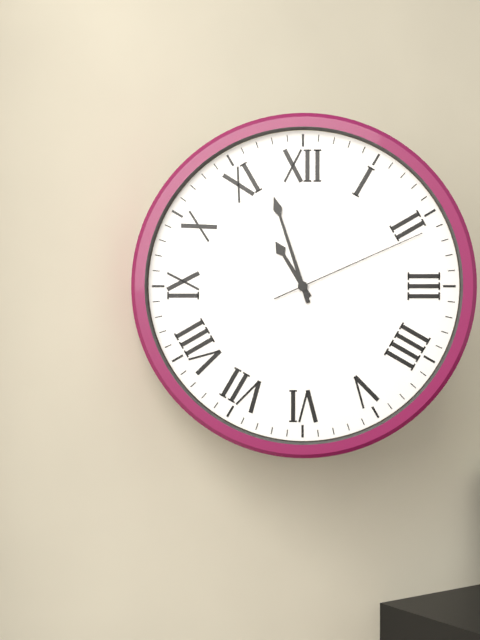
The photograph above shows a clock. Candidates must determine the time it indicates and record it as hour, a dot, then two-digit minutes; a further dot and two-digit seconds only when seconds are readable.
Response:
10.57.11
